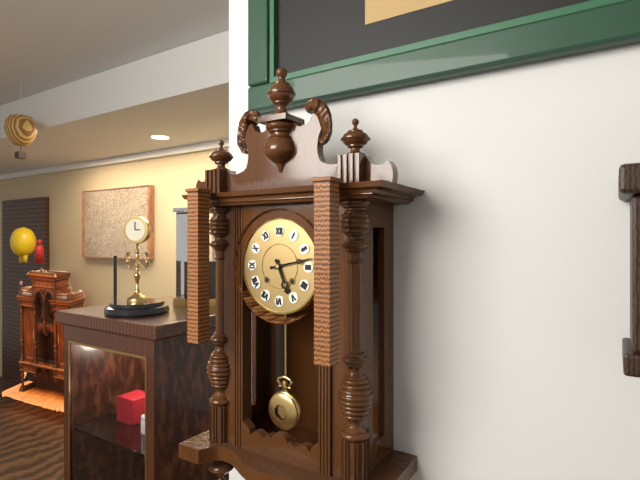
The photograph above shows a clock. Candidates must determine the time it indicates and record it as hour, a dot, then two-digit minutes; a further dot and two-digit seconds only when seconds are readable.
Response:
5.13
